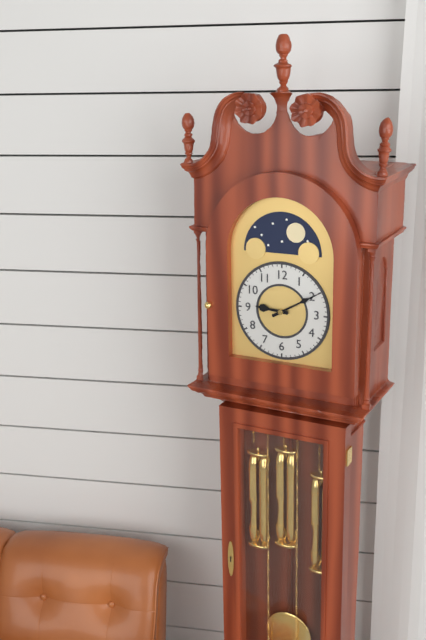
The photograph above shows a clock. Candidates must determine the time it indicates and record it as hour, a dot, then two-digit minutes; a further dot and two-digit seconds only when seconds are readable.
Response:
9.10
